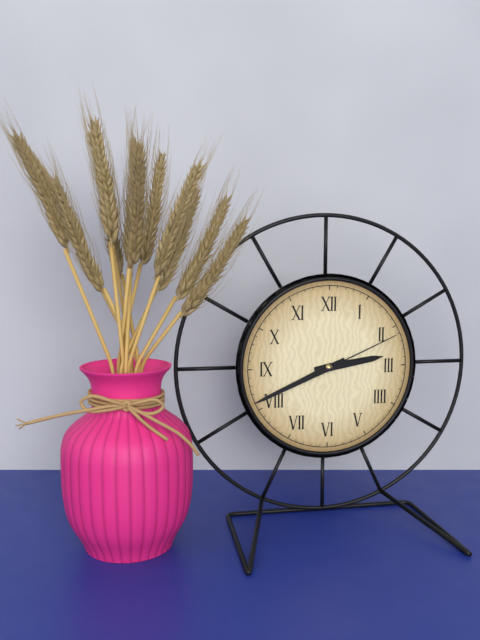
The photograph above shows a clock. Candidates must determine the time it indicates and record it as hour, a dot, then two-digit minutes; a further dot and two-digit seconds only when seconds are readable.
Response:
2.41.11
